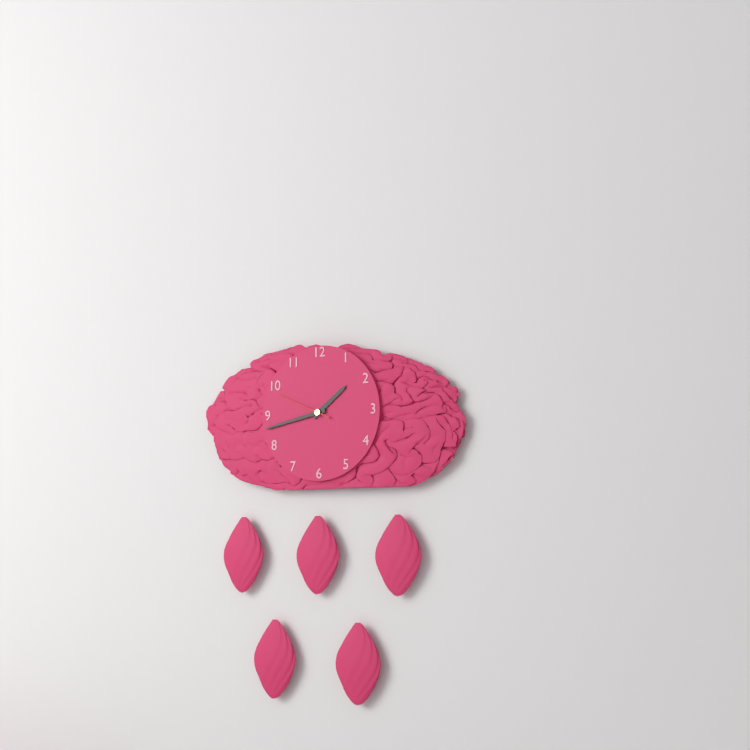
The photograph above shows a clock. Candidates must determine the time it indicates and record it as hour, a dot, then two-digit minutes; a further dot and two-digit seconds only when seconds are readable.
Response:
1.43.49
